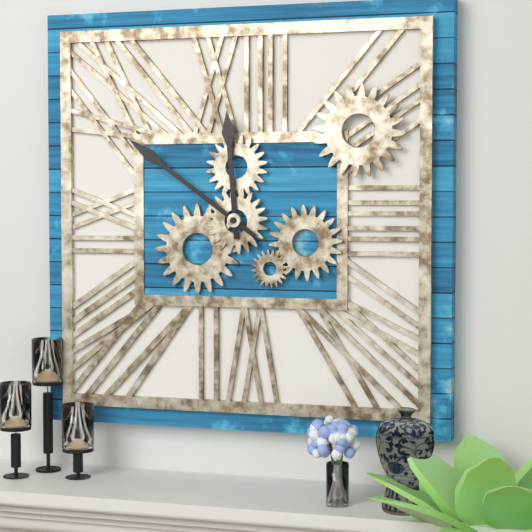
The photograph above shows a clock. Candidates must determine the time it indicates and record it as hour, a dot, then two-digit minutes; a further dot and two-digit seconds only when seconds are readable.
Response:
11.51
